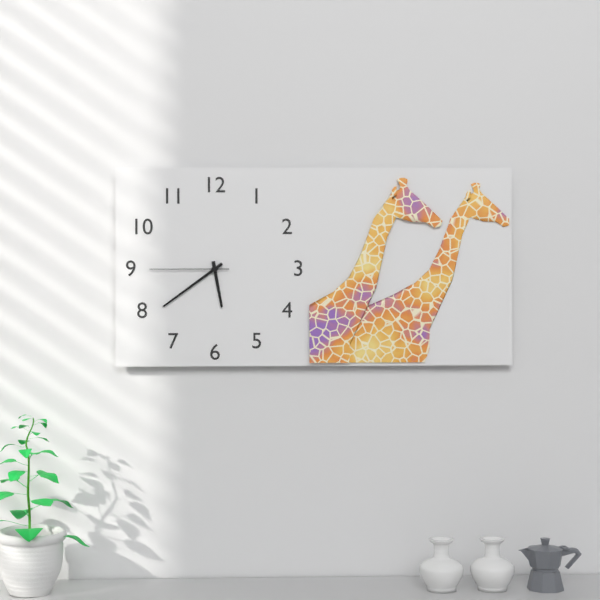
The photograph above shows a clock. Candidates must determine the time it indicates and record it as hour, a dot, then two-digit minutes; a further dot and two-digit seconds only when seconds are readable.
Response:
5.39.45
